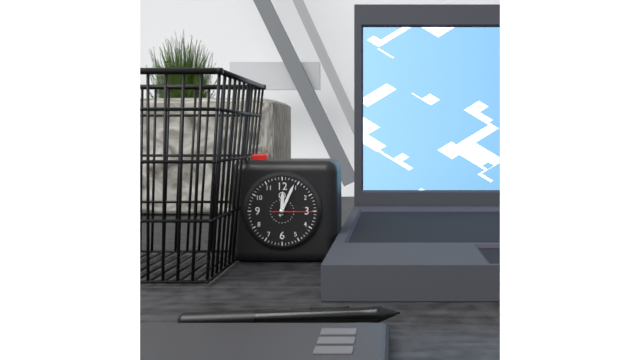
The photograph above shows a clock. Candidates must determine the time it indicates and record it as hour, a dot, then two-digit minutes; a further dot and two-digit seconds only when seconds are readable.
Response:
12.04
